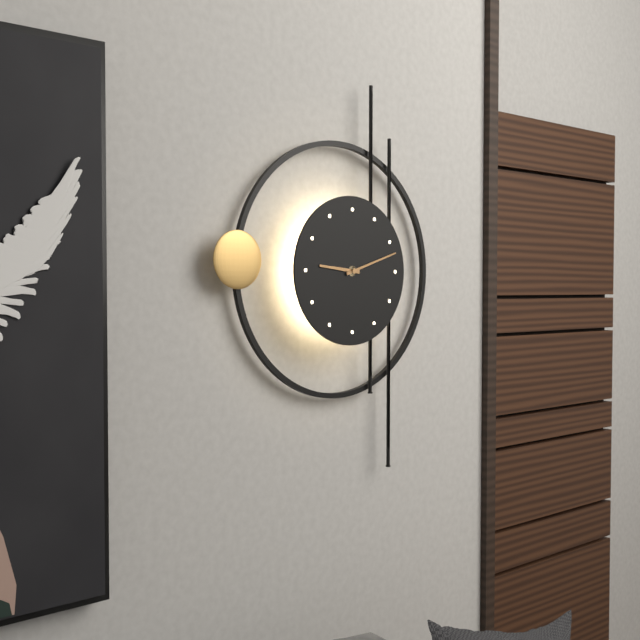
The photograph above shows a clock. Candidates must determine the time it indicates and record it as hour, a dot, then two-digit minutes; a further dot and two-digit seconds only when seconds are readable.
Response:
9.12
